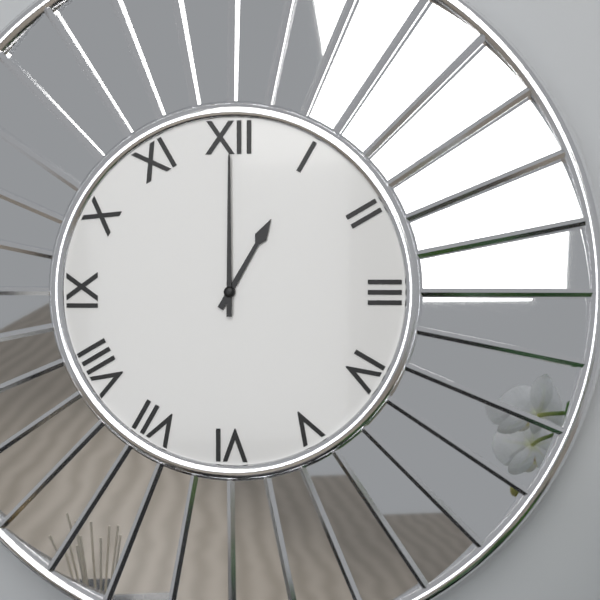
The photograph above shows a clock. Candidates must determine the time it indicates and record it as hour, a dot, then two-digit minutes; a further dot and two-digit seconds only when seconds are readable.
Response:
1.00
